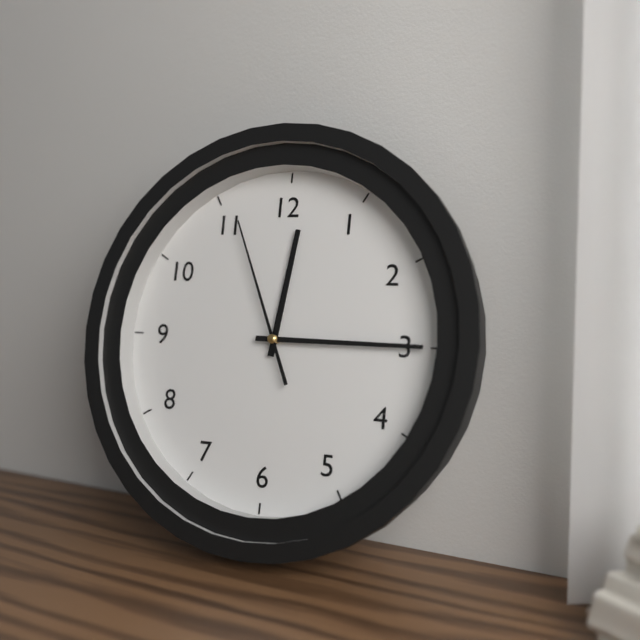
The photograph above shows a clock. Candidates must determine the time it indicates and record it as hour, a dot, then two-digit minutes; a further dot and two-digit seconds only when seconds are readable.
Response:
12.15.56
